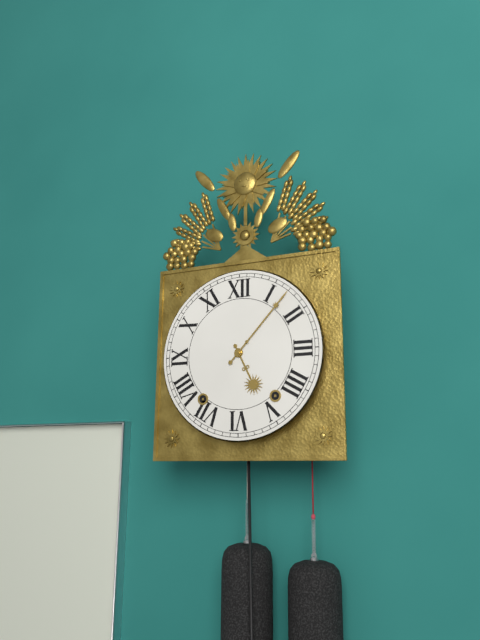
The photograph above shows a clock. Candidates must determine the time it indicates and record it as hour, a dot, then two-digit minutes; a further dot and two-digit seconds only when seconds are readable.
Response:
5.07
